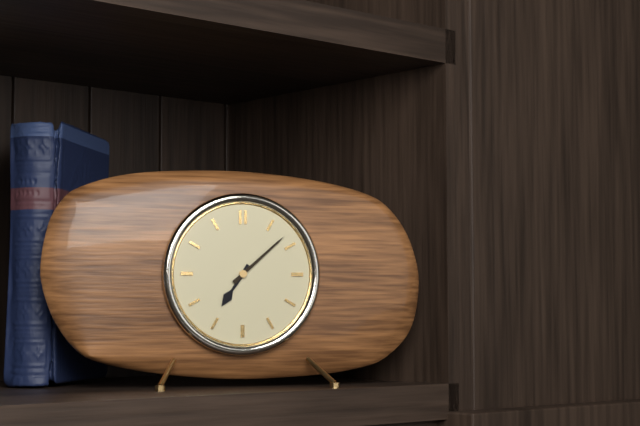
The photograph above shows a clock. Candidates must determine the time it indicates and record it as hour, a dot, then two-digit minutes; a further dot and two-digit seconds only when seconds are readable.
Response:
7.08
